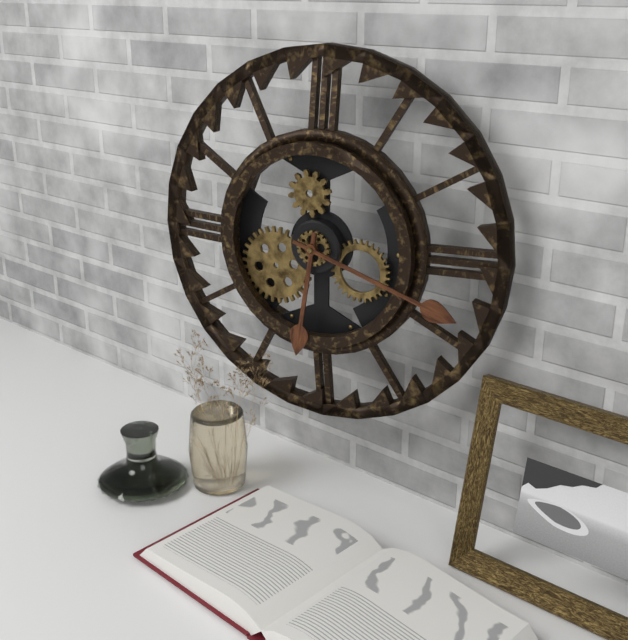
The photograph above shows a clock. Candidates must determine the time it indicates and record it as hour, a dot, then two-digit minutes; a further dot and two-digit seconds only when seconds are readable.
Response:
6.18
